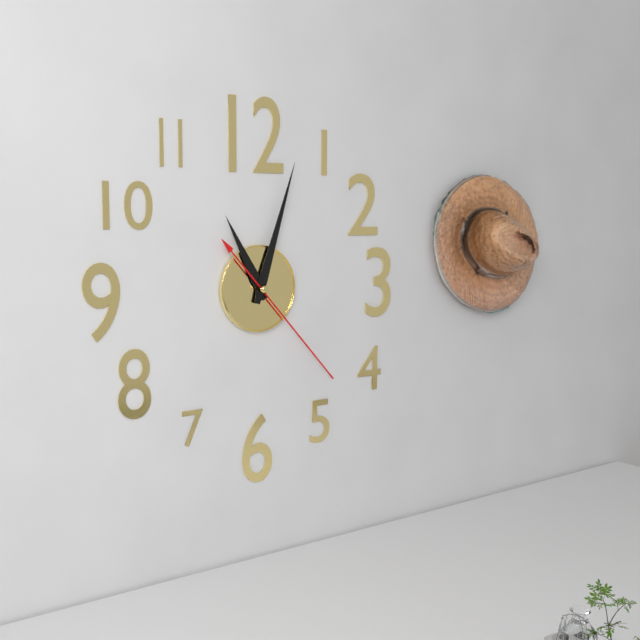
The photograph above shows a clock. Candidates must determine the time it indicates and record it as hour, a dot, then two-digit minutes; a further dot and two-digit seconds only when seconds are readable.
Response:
11.03.23
